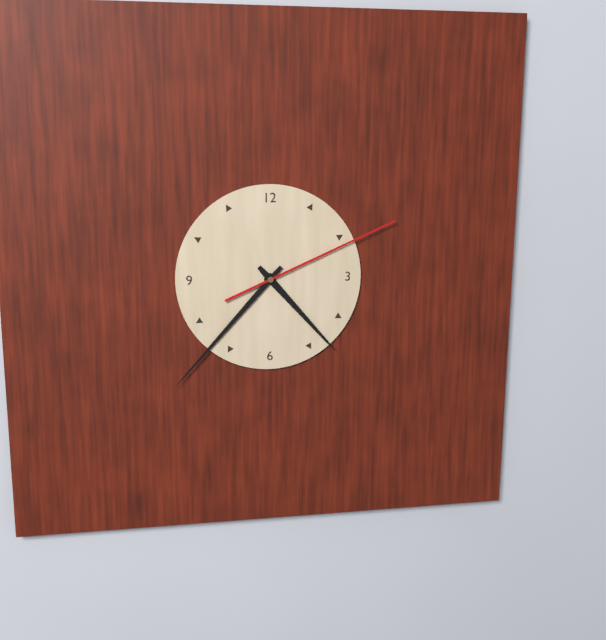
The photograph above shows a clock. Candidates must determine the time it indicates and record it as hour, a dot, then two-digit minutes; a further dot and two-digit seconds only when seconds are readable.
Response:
4.37.11
